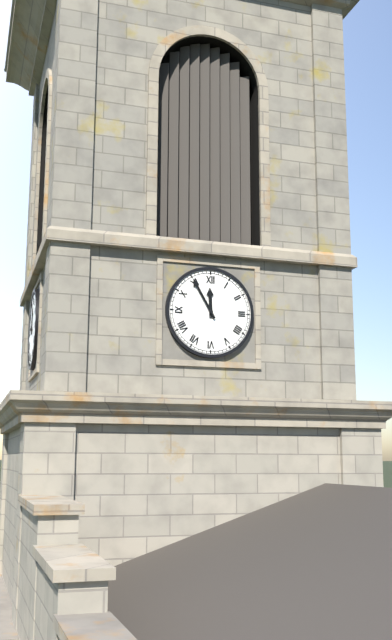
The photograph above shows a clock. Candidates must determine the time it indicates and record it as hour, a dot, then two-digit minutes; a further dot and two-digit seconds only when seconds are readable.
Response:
11.55
